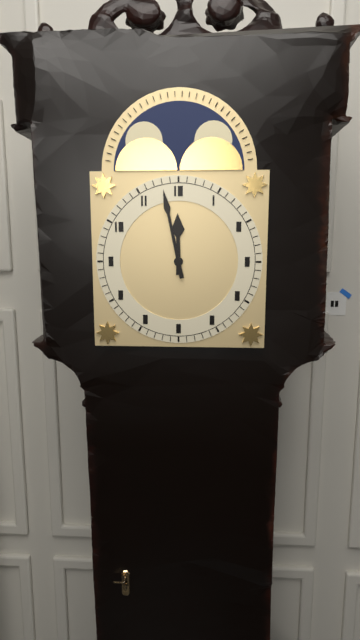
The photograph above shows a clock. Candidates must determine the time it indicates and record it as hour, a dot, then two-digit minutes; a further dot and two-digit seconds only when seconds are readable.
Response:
11.58
